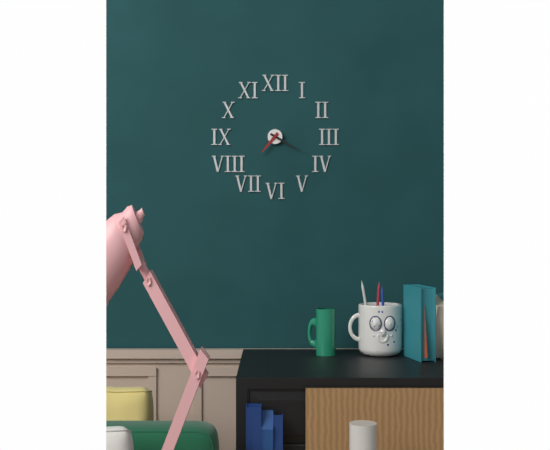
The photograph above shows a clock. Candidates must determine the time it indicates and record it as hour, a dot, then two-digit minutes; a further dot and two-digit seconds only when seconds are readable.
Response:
7.20
